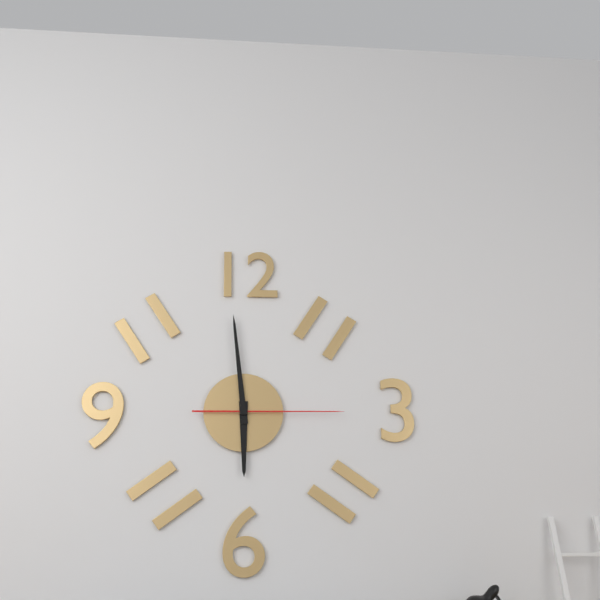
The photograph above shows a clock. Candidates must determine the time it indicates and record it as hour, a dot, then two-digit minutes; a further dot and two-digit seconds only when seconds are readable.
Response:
5.59.15
